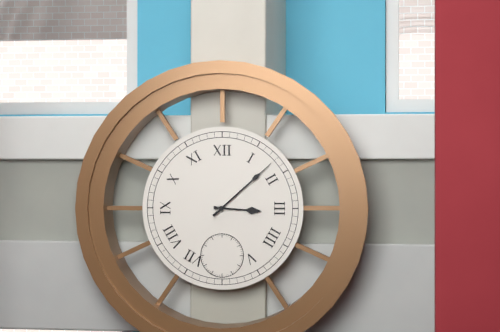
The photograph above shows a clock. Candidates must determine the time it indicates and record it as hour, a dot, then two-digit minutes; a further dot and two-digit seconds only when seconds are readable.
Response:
3.08
